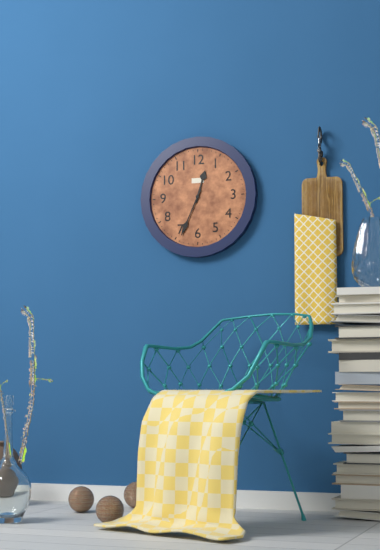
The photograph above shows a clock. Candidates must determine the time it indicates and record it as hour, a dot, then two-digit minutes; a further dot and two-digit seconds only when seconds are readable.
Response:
12.34
